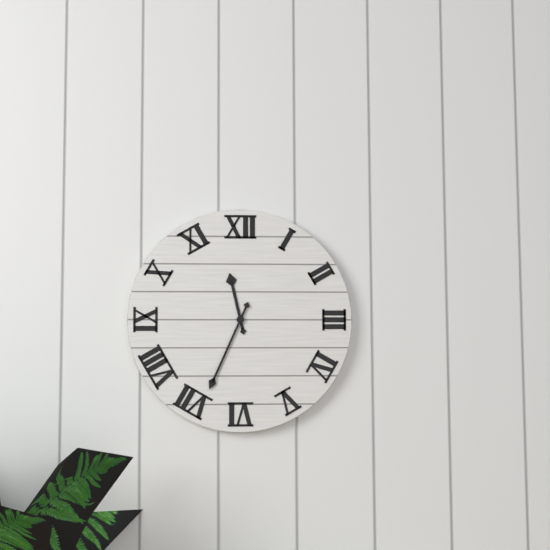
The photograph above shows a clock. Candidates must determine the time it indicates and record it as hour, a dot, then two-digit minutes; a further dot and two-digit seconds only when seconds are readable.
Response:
11.34
